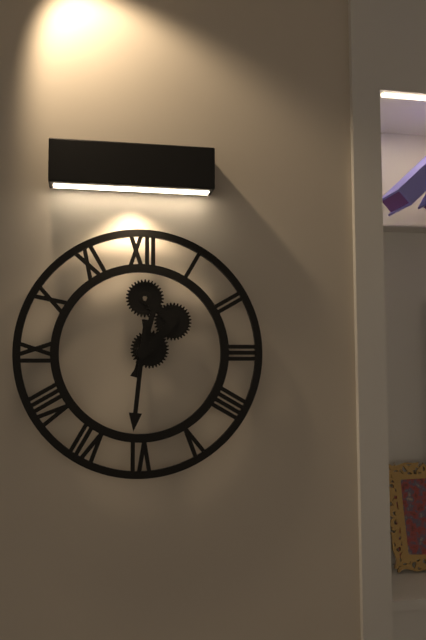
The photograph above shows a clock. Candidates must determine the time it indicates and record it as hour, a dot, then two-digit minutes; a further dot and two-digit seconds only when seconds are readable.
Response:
12.31
